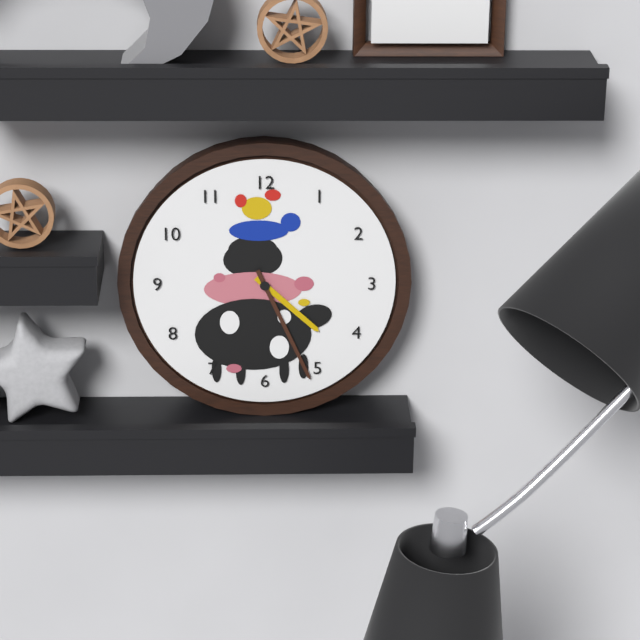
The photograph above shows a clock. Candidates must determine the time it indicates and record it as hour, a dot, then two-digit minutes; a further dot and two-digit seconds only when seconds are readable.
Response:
4.26
